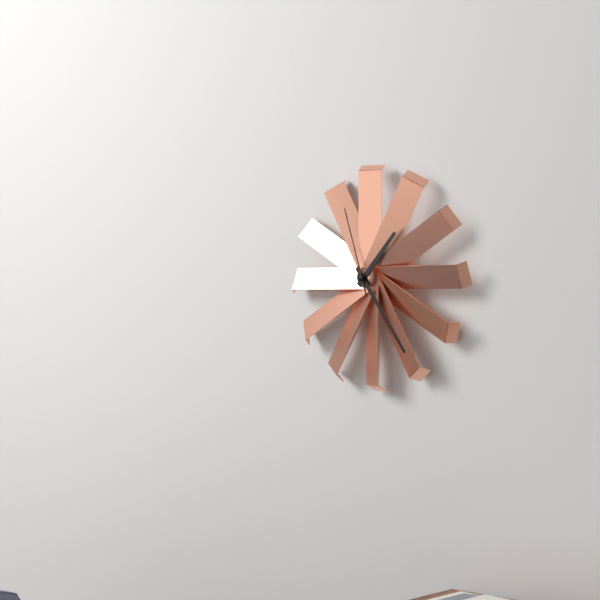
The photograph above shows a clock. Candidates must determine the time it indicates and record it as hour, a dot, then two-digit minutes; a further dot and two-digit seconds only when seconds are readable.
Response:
1.24.57
